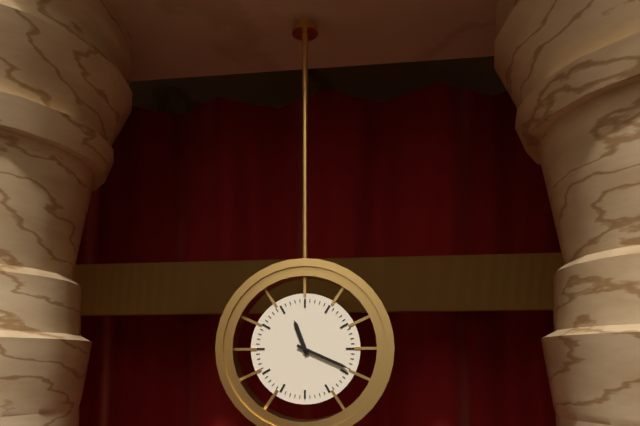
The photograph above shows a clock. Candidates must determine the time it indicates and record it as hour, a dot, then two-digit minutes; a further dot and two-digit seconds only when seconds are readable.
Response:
11.19
